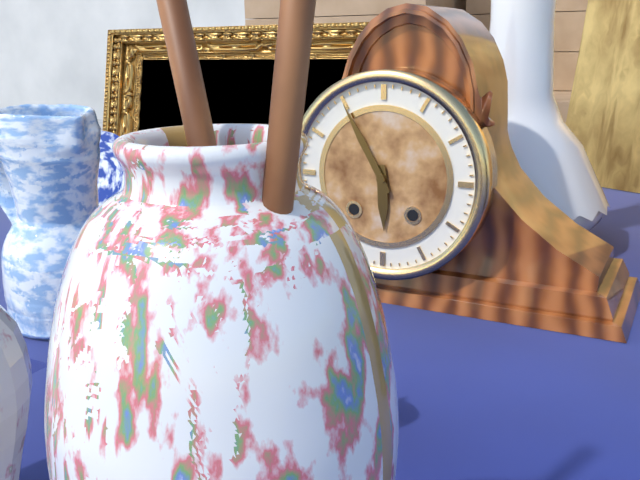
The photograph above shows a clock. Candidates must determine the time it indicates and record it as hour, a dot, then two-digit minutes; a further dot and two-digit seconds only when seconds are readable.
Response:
5.55
